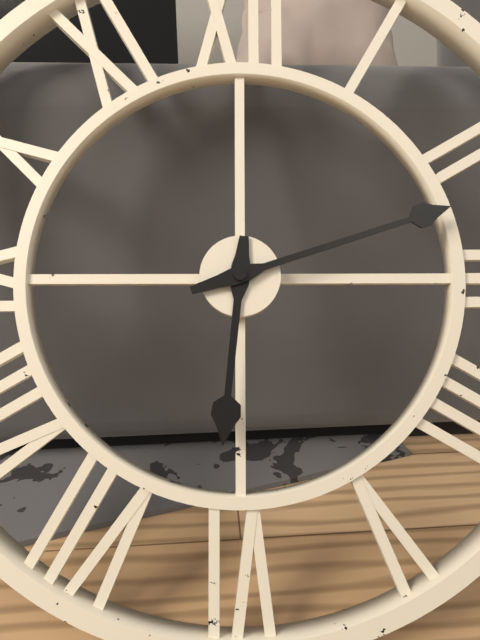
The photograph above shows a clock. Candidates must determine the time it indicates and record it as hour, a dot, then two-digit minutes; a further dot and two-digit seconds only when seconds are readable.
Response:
6.12
